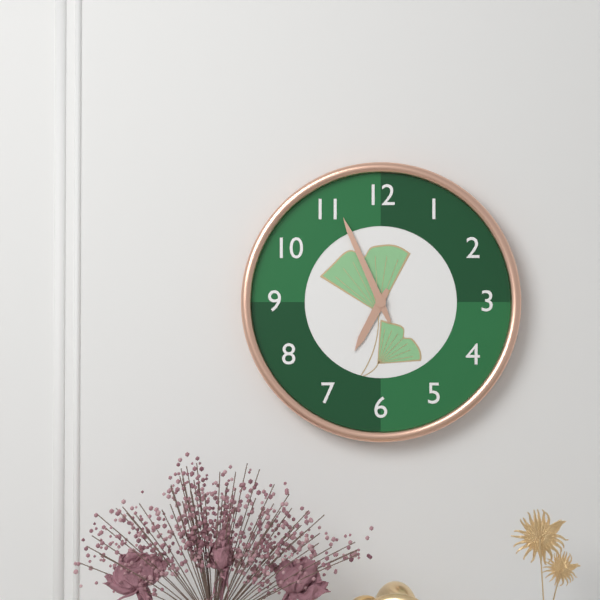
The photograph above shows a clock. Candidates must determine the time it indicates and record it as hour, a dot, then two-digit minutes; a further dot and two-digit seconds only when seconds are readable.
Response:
6.56
